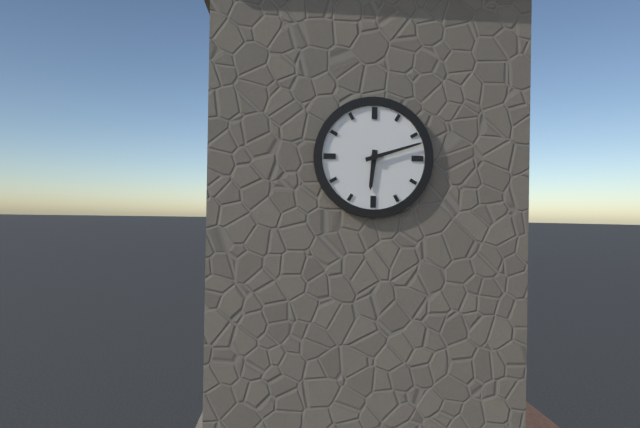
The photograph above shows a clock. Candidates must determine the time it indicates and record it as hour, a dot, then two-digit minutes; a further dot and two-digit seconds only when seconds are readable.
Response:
6.12
